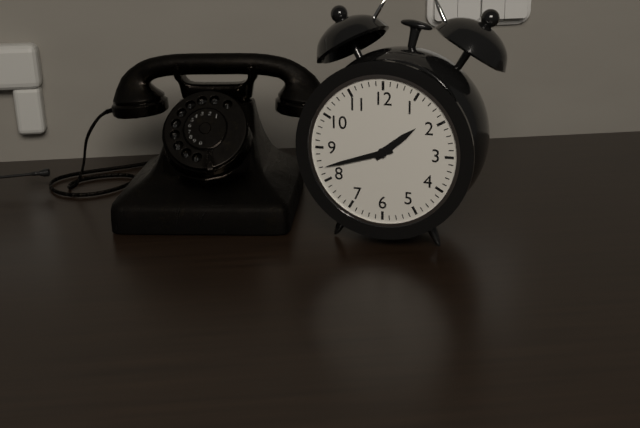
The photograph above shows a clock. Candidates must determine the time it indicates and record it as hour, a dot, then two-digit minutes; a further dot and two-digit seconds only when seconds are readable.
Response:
1.42
